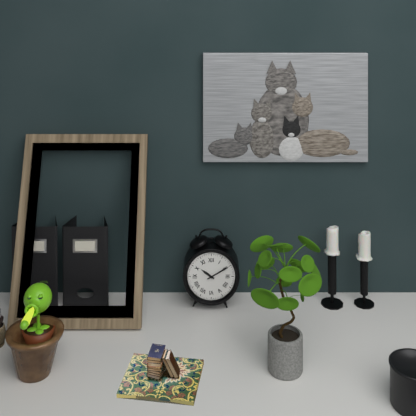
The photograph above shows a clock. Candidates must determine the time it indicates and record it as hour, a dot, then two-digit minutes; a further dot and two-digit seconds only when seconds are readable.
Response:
10.10
